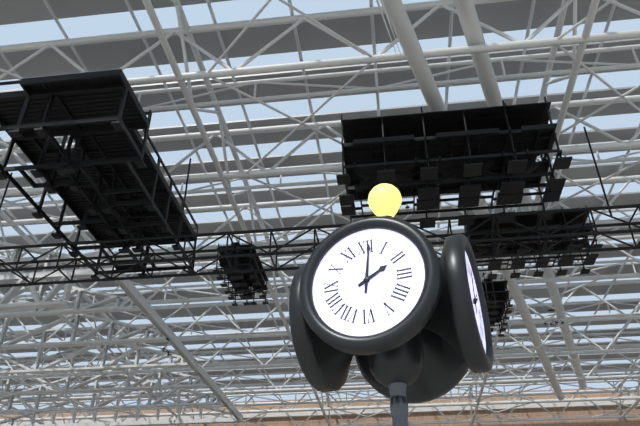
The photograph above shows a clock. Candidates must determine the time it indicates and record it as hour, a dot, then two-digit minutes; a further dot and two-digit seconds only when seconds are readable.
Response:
2.01
